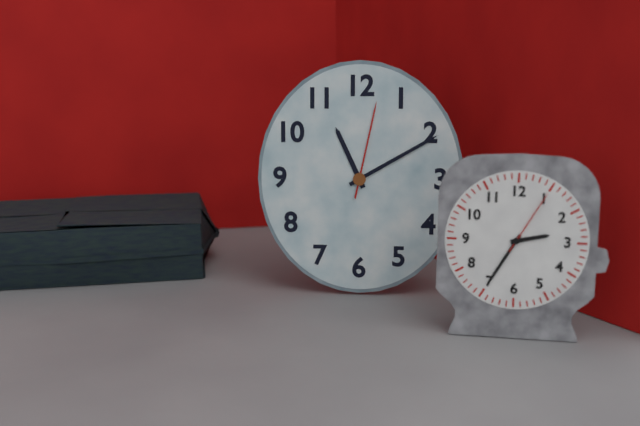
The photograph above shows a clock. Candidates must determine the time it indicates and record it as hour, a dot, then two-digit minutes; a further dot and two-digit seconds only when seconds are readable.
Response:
11.10.02
